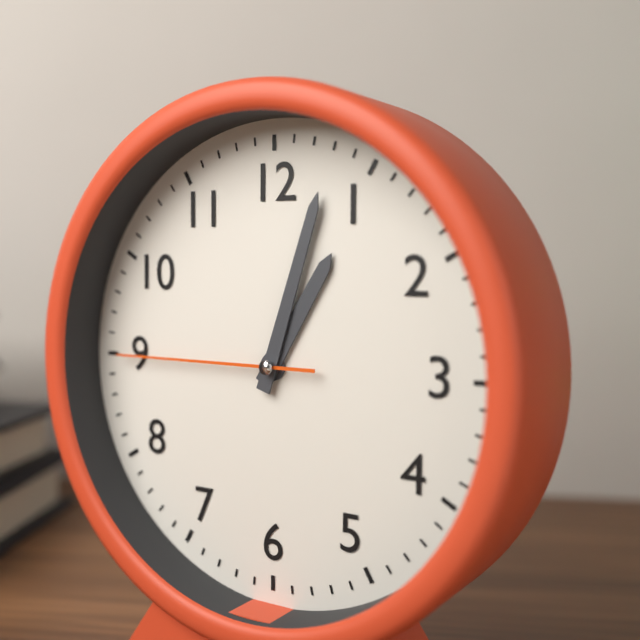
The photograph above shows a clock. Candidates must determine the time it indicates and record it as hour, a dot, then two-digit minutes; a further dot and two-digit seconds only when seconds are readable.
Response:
1.03.45
